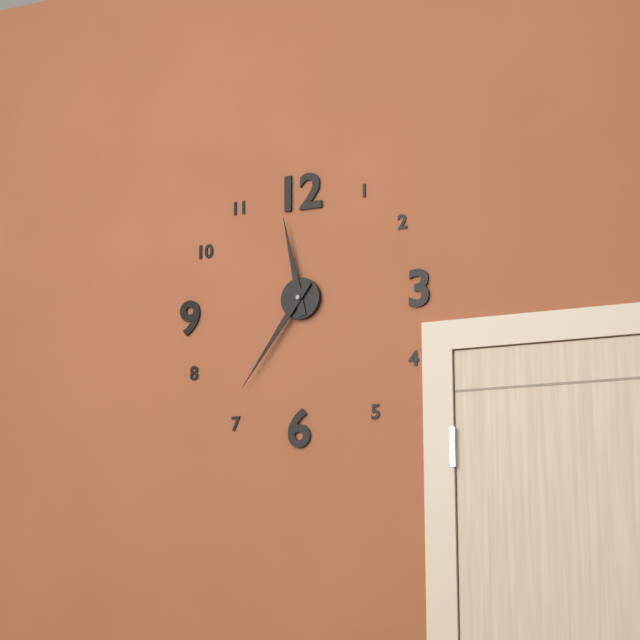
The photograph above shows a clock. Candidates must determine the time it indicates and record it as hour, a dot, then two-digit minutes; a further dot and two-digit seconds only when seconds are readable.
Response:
11.36
